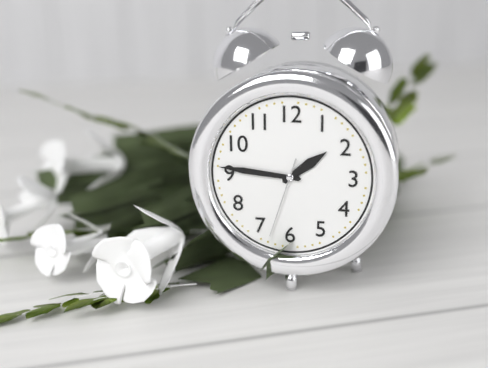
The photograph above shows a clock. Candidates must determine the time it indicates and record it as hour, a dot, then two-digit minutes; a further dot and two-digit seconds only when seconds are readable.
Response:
1.46.33
